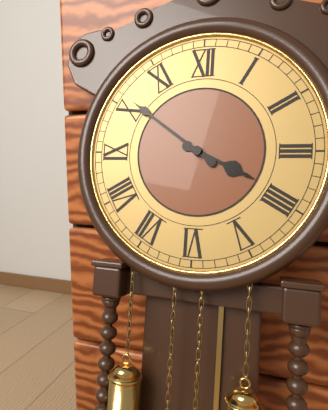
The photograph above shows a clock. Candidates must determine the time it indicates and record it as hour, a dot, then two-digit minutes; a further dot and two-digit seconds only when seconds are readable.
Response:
3.51
